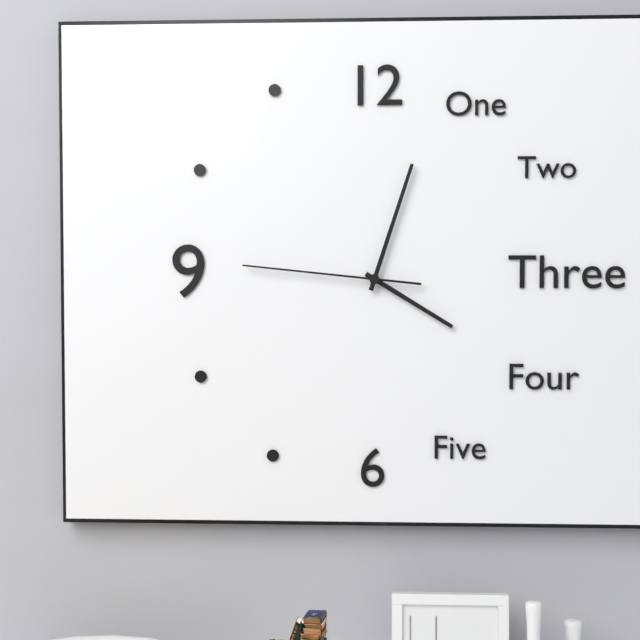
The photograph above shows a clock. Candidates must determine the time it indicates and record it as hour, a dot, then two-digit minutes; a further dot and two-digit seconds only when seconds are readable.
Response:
4.03.46
